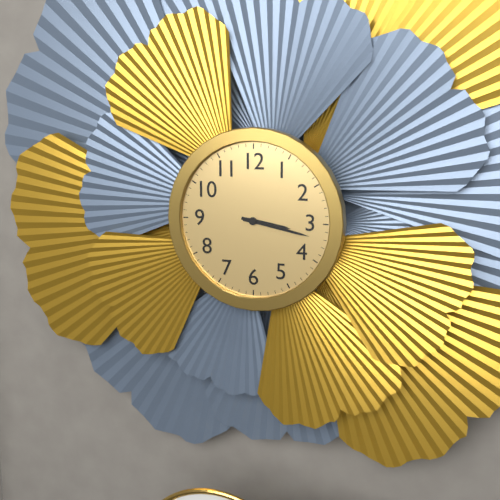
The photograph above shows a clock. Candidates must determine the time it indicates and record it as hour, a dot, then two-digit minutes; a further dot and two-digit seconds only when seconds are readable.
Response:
3.17
